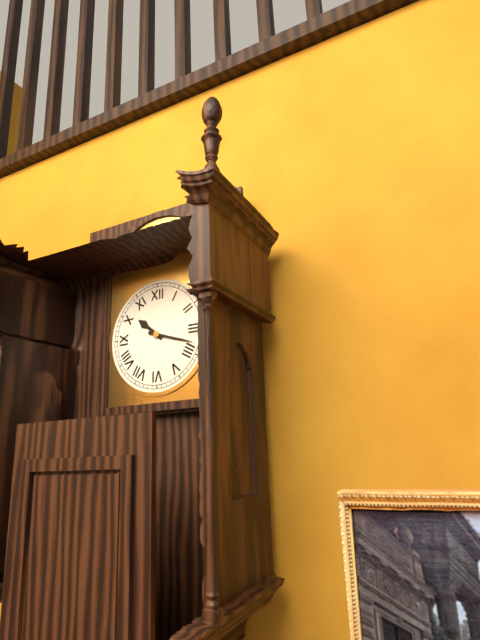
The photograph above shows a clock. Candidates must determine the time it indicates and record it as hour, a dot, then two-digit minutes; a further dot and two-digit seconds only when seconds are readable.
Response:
10.18
